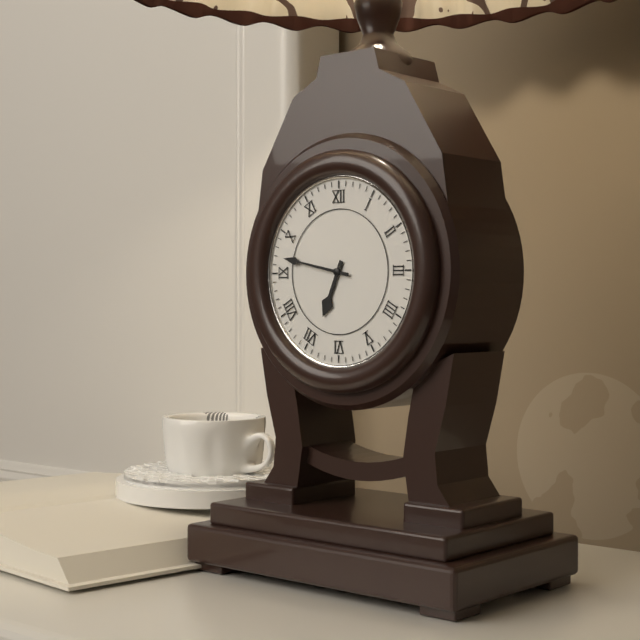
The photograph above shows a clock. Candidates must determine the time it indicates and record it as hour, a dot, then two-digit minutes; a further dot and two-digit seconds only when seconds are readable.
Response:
6.47
